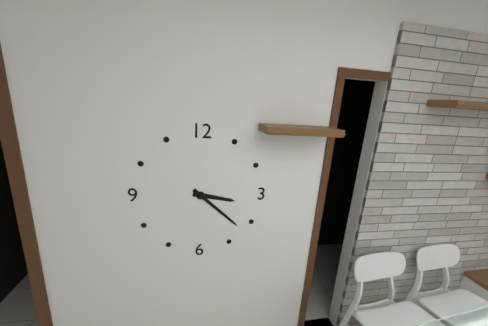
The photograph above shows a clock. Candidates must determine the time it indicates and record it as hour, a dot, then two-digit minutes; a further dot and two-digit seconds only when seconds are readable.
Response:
3.22
